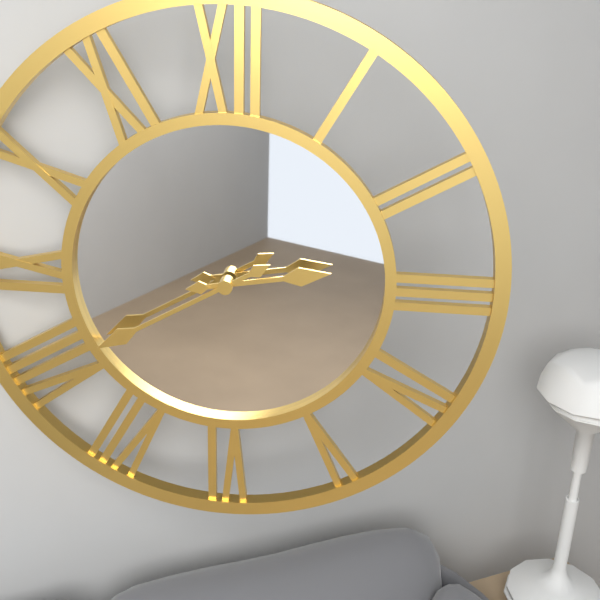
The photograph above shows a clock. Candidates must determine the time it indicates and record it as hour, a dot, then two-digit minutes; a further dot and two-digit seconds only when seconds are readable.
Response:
2.40
